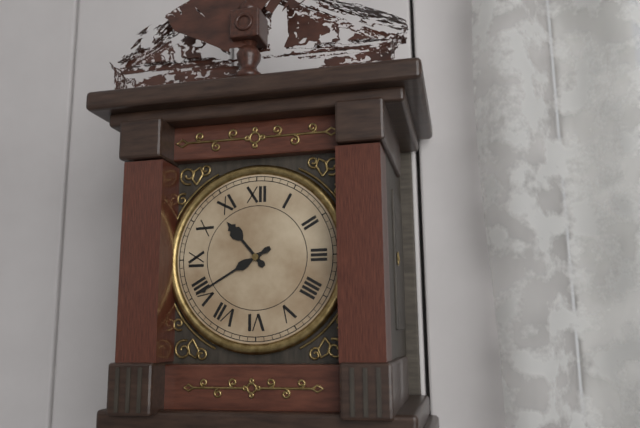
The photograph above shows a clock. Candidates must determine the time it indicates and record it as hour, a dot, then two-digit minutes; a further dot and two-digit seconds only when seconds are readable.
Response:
10.40
